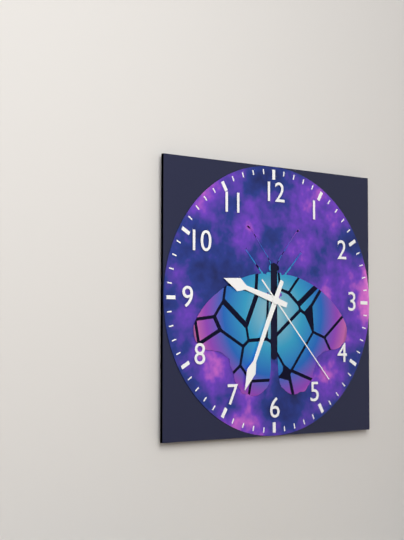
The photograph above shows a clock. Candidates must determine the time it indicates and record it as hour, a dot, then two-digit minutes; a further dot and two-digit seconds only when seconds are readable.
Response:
9.34.23
